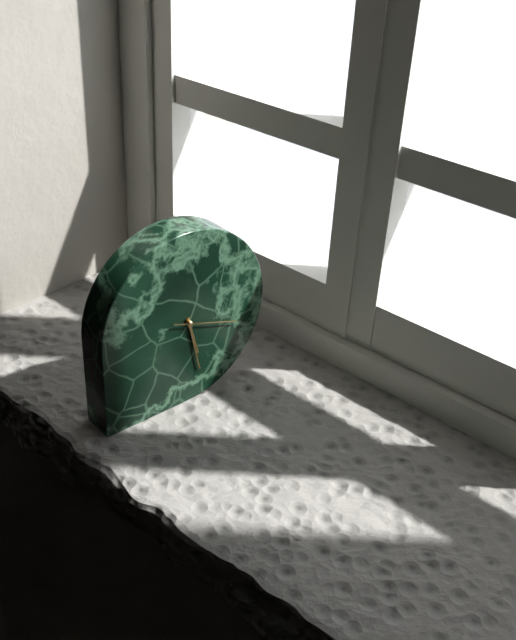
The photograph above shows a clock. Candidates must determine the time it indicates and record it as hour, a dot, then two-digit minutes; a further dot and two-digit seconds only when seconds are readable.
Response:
5.28.18
